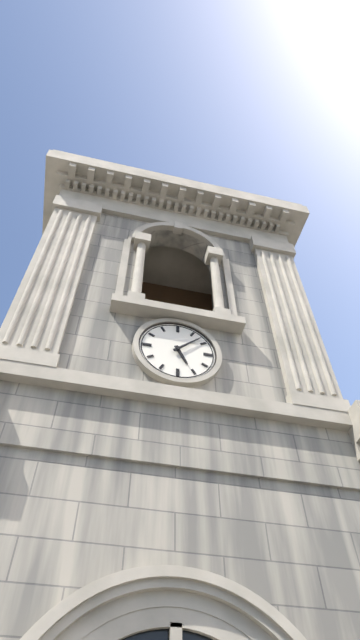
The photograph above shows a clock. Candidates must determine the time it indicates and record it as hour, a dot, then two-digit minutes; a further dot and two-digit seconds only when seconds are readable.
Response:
5.08
